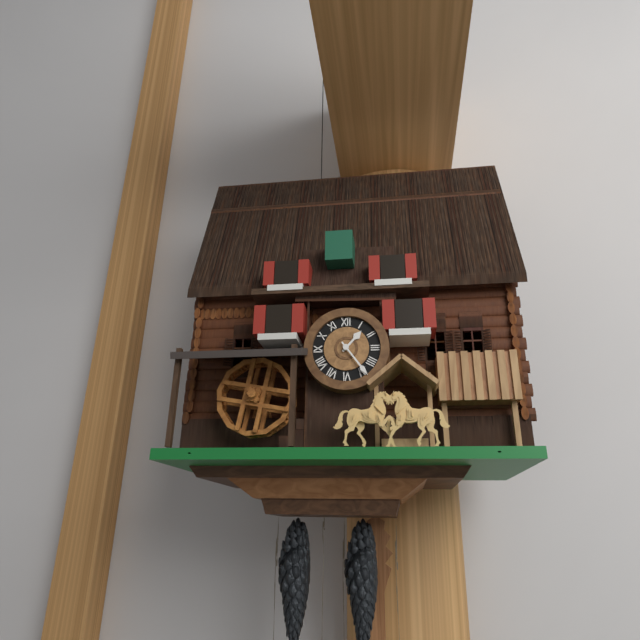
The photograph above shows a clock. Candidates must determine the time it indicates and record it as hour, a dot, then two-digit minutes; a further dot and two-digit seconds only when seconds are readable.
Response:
1.24
